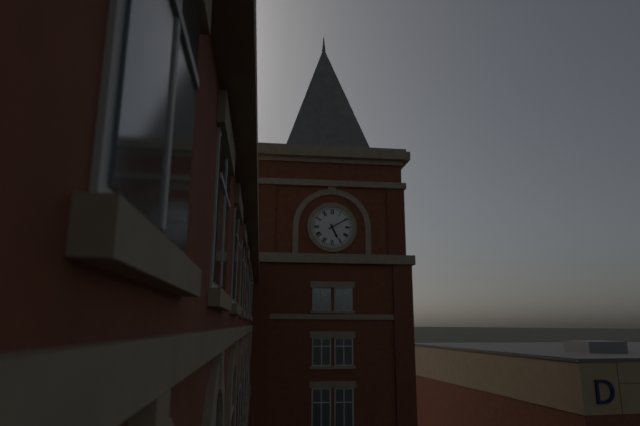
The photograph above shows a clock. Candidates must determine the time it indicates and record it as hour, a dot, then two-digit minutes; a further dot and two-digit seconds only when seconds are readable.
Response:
5.10
